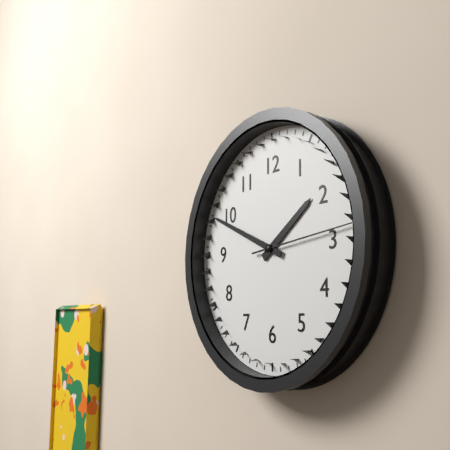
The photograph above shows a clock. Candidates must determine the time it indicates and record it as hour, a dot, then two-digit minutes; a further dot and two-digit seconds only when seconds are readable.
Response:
1.49.14
